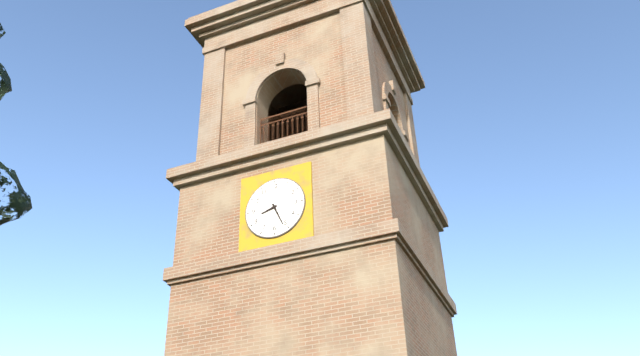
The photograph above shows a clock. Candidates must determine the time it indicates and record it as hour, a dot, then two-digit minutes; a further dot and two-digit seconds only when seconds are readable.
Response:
8.26
